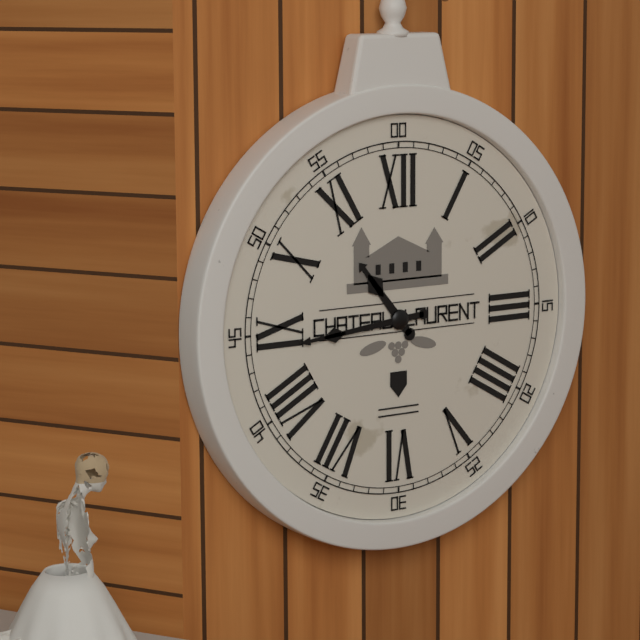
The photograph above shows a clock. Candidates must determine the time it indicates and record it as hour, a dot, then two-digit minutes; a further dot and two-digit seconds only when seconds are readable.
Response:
10.44
